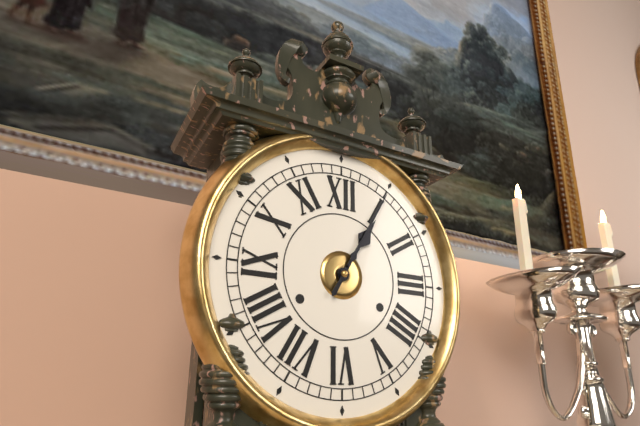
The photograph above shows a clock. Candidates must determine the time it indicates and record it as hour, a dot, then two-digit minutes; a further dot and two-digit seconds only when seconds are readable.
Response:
1.05
